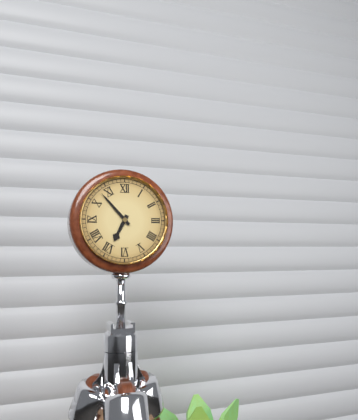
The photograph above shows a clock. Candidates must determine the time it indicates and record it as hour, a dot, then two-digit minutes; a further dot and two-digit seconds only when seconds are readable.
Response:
6.53
